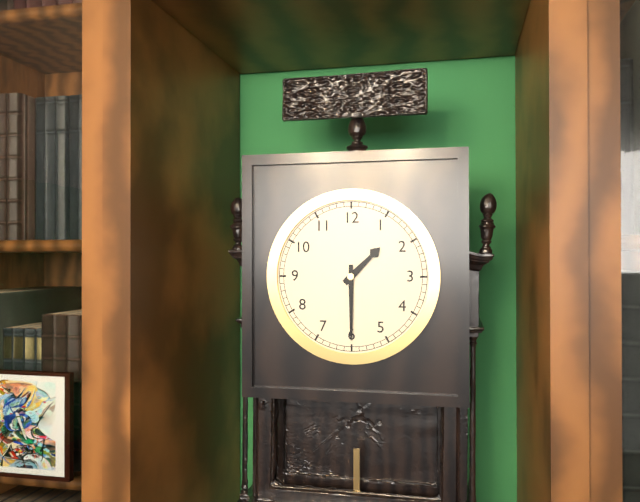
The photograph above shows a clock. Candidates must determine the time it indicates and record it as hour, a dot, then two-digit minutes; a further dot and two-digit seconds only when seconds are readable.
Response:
1.30
